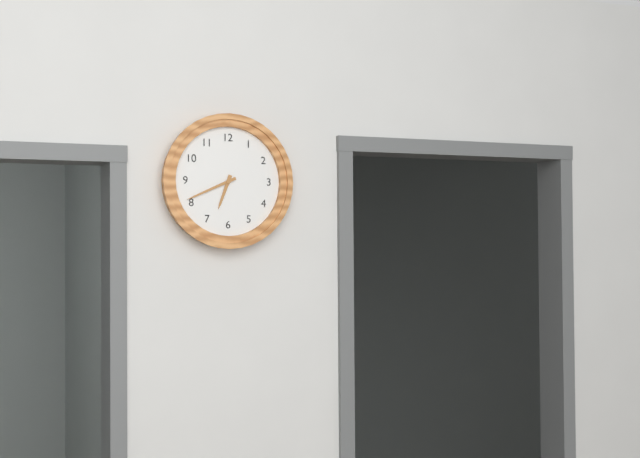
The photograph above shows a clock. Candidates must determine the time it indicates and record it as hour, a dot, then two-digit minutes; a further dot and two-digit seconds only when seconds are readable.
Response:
6.41
